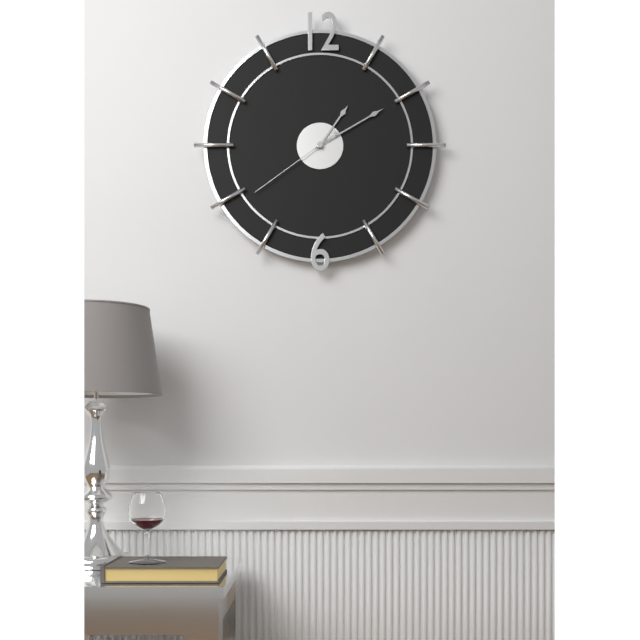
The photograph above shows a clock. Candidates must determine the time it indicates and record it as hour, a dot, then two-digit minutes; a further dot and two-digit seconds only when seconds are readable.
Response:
1.10.39
